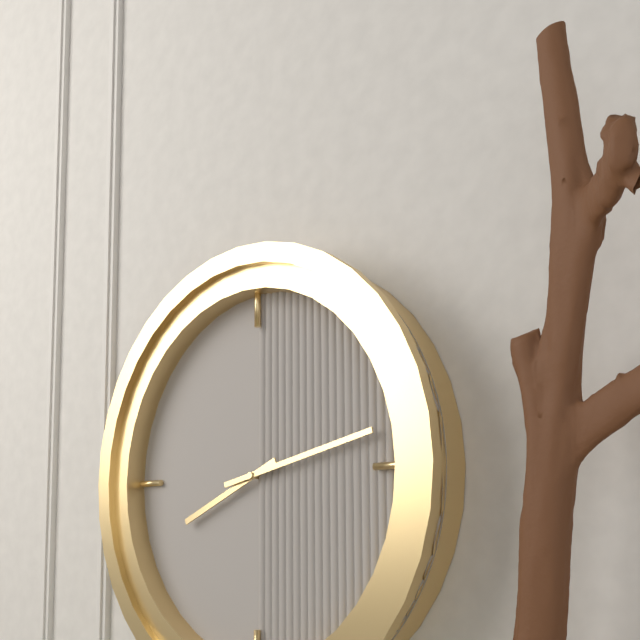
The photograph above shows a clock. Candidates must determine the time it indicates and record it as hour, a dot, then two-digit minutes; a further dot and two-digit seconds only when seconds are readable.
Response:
8.13
